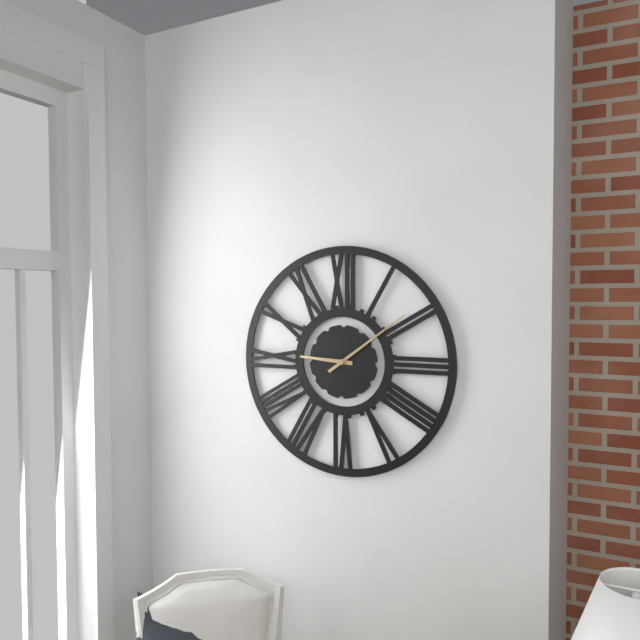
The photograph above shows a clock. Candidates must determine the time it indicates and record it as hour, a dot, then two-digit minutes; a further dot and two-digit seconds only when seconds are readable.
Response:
9.09
